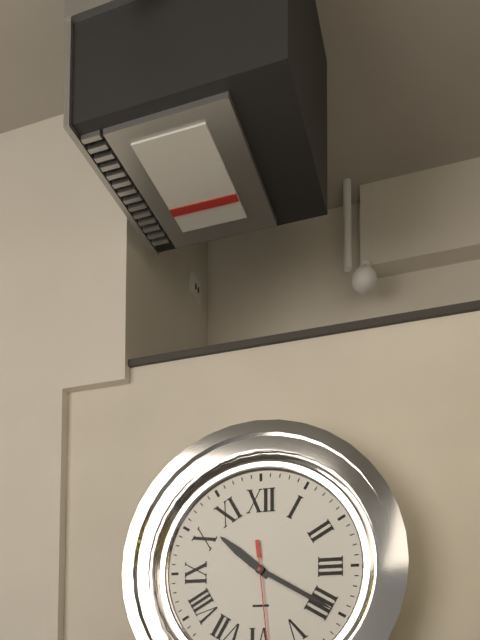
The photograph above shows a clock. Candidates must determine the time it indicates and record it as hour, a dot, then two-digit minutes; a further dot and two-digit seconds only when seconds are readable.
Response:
10.20
